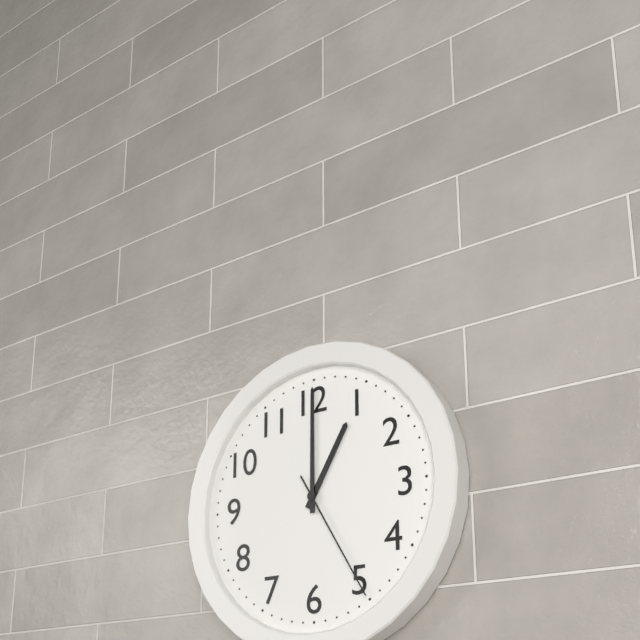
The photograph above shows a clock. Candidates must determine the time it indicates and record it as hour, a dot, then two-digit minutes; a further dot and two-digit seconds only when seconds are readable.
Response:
1.00.25
